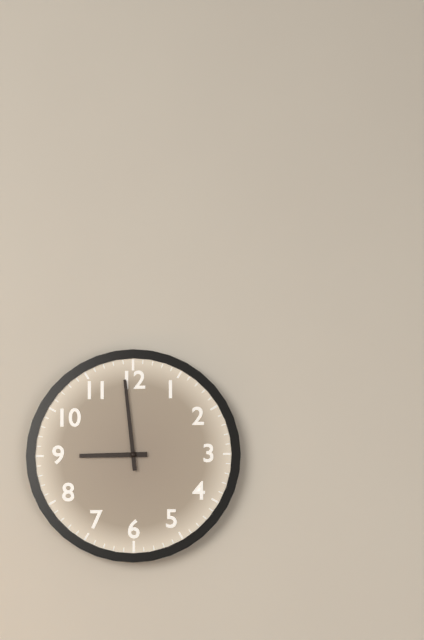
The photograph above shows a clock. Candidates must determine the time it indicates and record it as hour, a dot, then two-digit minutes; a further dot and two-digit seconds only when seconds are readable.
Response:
8.59
